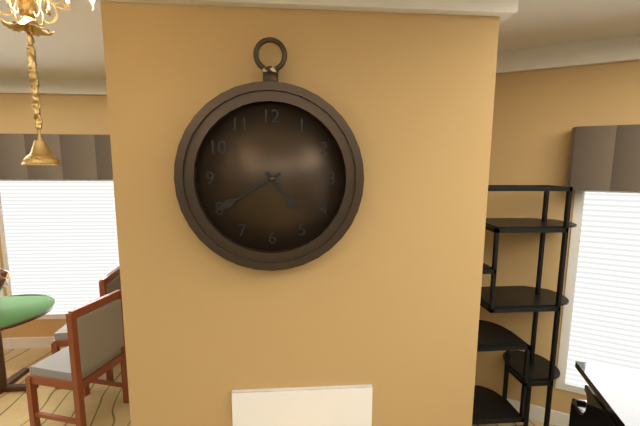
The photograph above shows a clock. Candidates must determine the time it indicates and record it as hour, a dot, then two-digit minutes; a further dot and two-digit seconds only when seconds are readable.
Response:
4.40
